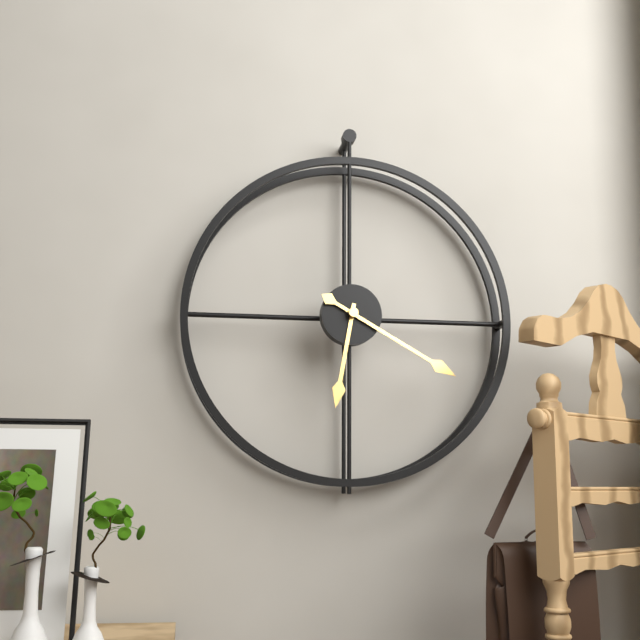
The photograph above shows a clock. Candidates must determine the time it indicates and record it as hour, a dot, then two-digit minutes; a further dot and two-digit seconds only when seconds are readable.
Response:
6.20
